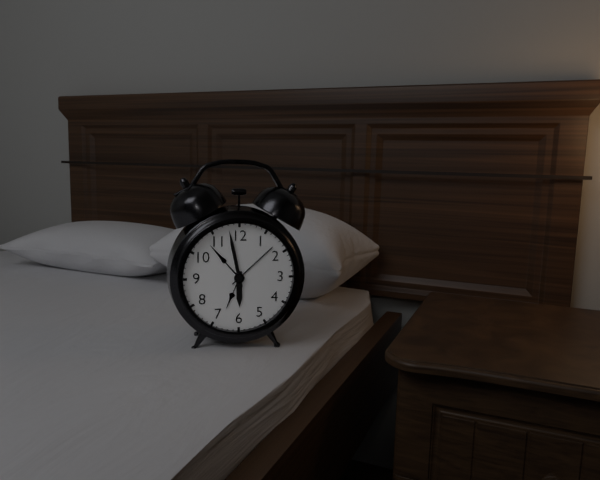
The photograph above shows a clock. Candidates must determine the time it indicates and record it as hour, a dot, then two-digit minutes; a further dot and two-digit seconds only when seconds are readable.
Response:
5.58
